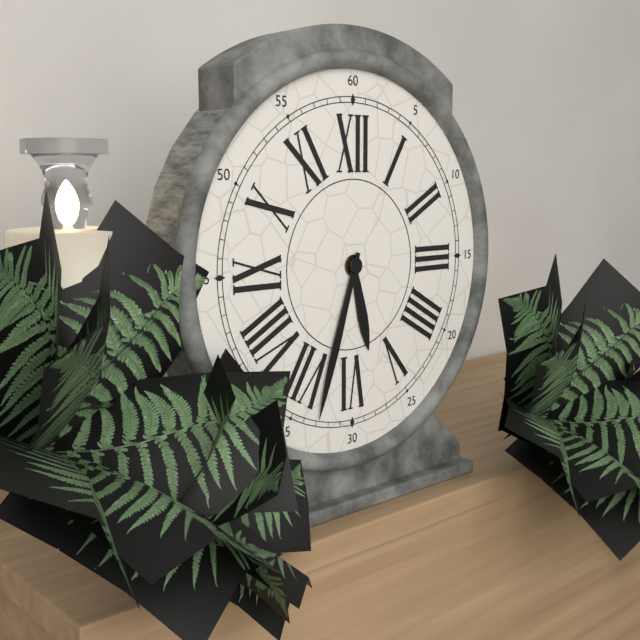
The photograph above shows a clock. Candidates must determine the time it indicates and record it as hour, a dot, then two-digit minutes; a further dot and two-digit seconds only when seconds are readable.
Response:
5.33
